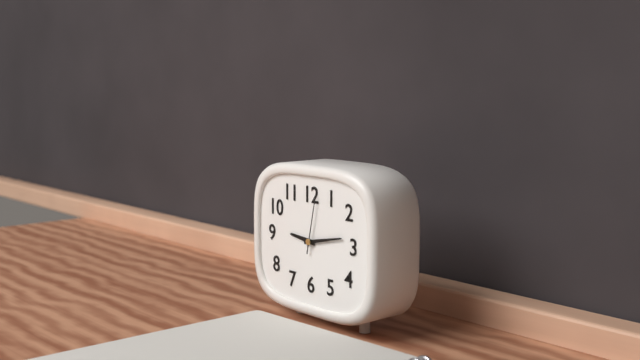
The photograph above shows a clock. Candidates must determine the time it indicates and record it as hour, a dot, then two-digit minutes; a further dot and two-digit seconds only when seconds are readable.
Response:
9.13.02
